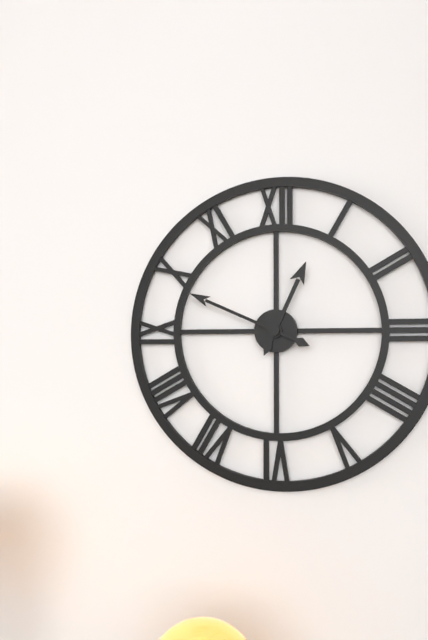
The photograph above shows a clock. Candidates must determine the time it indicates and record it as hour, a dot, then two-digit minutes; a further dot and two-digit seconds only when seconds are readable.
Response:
12.49
